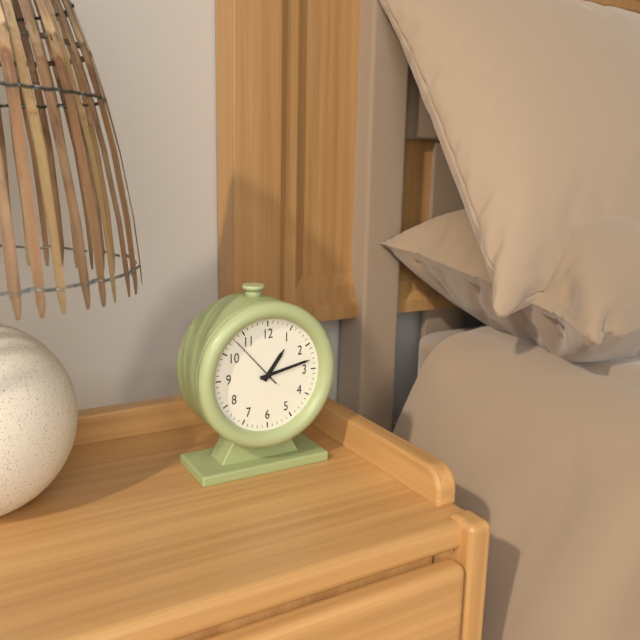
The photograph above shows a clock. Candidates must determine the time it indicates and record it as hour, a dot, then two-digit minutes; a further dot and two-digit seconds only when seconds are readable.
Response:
1.13.53
